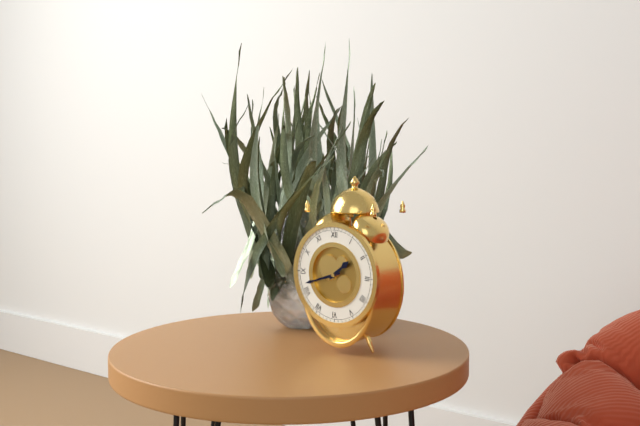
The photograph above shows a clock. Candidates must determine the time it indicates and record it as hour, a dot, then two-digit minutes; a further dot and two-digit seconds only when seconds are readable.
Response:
1.42
